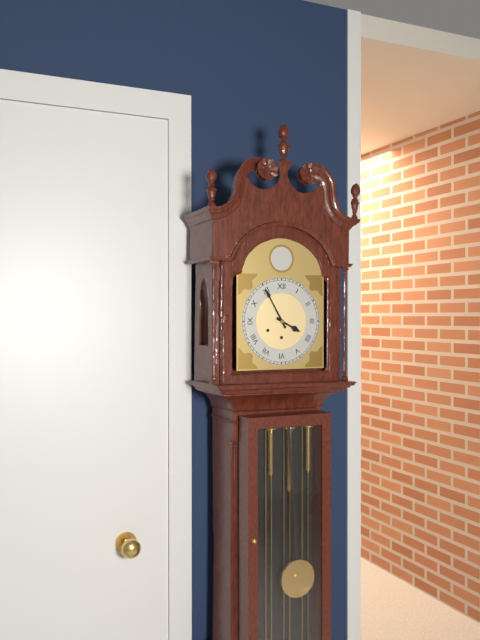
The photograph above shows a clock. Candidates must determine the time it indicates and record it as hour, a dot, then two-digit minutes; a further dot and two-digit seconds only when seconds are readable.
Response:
3.55
